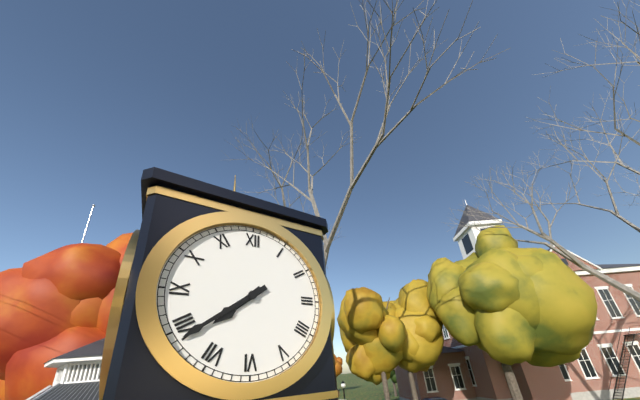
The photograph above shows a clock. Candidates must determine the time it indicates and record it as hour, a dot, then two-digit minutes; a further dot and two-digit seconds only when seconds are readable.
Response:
7.39
